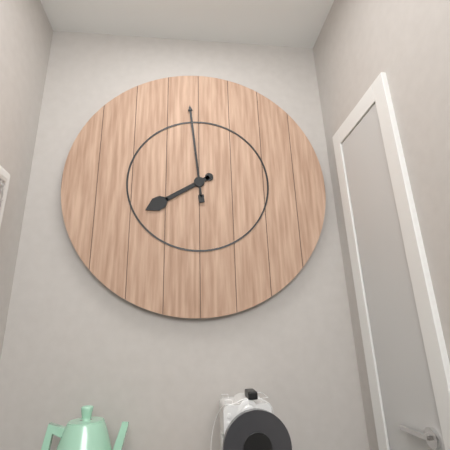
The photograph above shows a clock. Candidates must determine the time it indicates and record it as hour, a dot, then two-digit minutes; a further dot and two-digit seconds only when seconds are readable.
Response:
7.59
